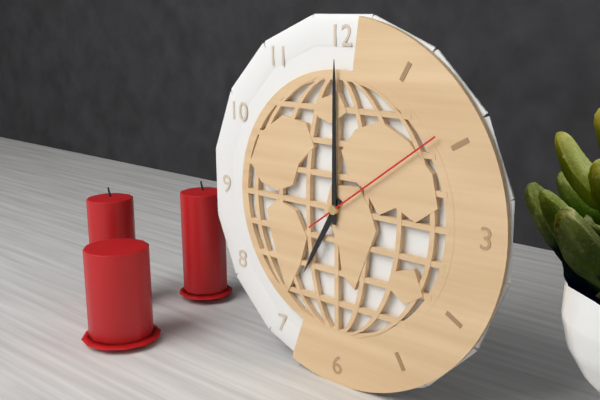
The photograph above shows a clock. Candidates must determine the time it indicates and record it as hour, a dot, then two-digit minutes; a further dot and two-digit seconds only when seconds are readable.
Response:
7.00.09
